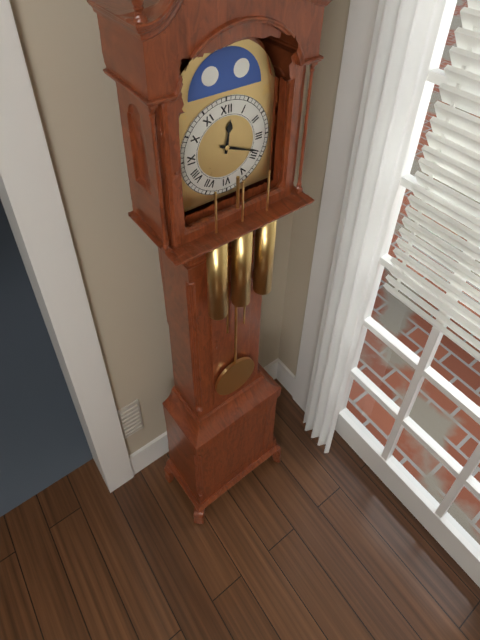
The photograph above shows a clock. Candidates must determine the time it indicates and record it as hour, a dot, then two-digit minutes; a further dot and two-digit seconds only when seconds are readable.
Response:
12.19
